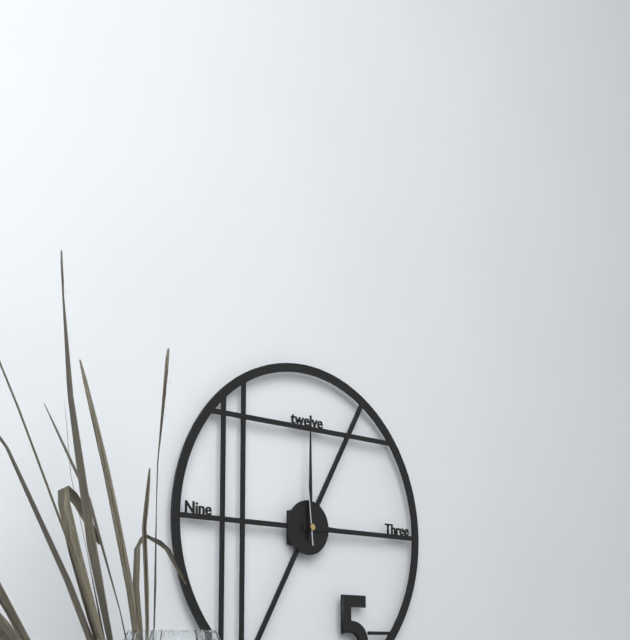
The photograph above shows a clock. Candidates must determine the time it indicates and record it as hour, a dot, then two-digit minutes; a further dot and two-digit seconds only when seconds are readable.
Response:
3.00.59
